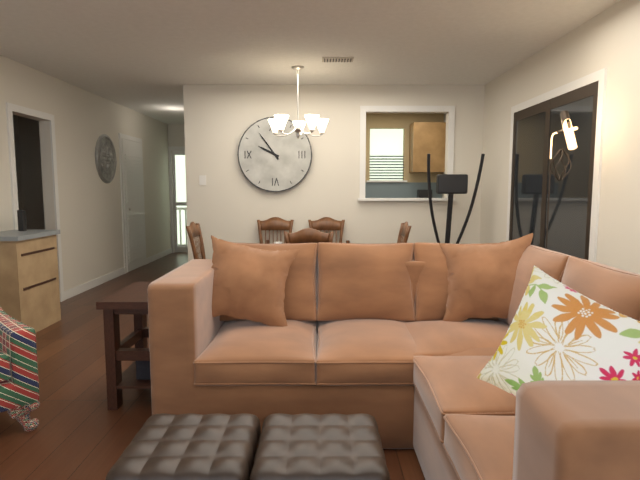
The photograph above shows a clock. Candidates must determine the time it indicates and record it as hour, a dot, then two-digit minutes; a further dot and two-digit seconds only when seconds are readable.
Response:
9.54
